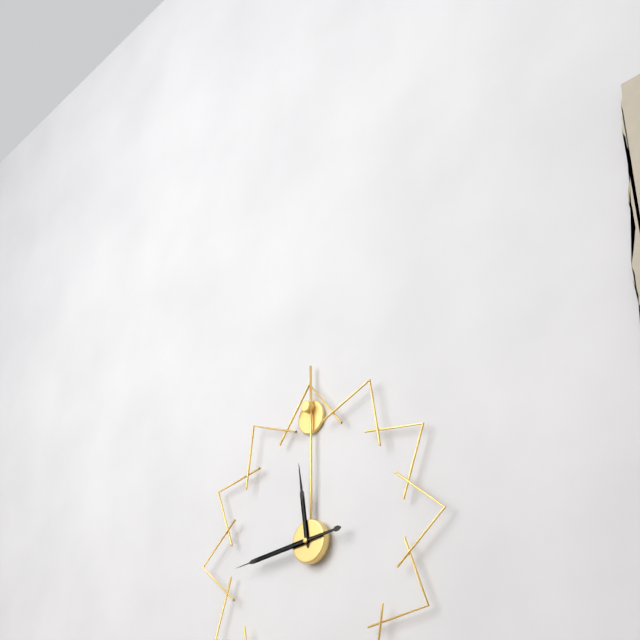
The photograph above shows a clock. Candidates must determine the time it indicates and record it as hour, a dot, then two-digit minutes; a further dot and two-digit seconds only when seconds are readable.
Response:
11.44
